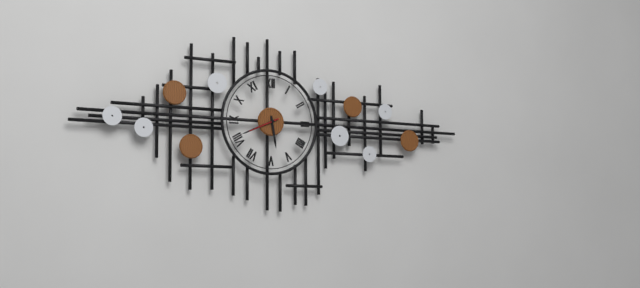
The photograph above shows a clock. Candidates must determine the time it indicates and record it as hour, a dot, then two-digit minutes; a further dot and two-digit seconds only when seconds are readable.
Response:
5.41
